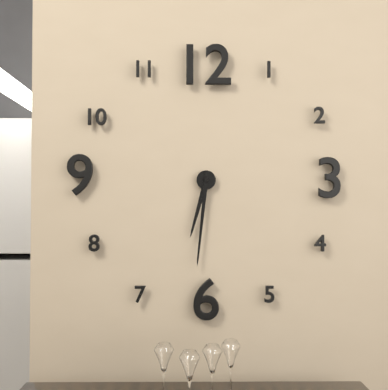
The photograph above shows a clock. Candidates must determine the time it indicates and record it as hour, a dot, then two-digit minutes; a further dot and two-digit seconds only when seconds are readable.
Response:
6.31
